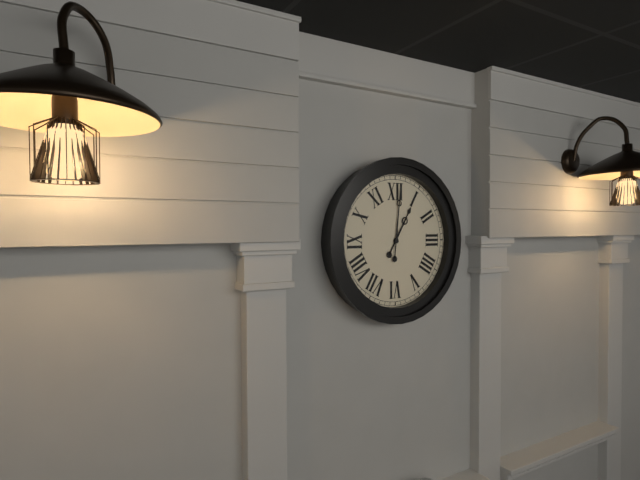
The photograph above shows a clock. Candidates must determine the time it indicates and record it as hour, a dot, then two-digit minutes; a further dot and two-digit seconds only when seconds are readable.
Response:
1.01
